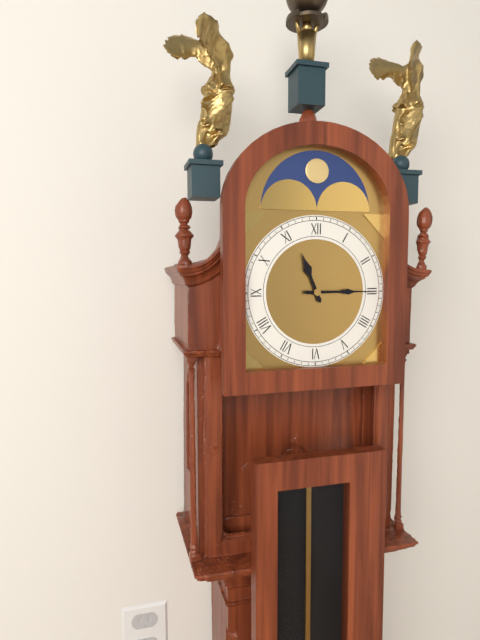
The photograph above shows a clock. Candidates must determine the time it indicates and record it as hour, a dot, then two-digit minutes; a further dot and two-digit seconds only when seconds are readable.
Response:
11.15
